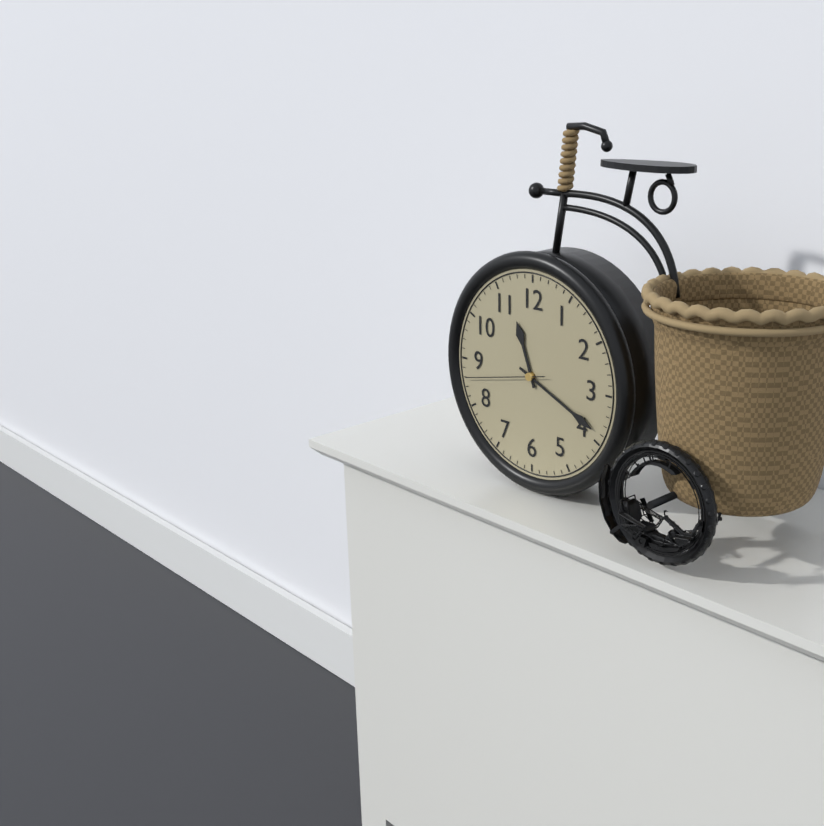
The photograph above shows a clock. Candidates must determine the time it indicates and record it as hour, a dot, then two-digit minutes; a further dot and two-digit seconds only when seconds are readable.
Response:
11.19.43
